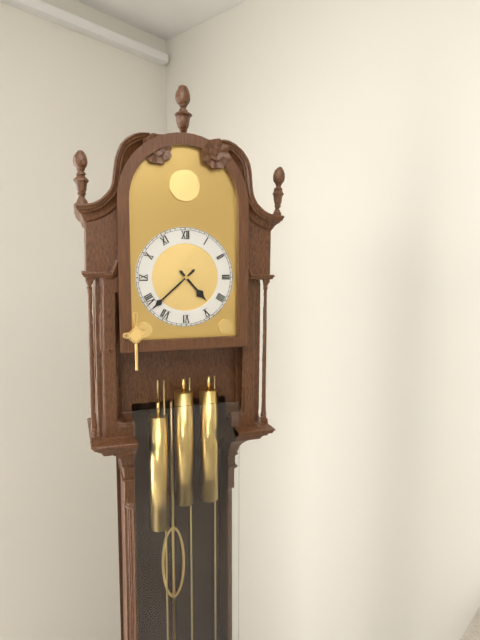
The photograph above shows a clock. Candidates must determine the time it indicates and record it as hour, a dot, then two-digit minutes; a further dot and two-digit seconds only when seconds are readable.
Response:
4.38
